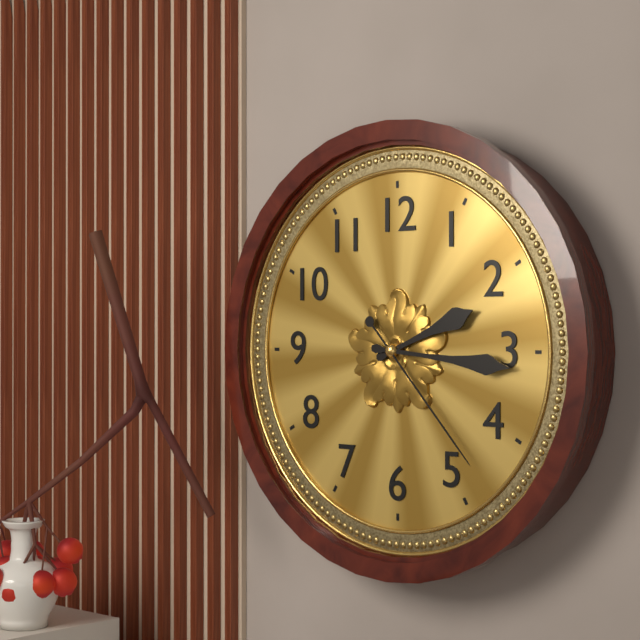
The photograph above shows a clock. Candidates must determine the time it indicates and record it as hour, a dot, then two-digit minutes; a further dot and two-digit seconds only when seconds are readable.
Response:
2.16.23
